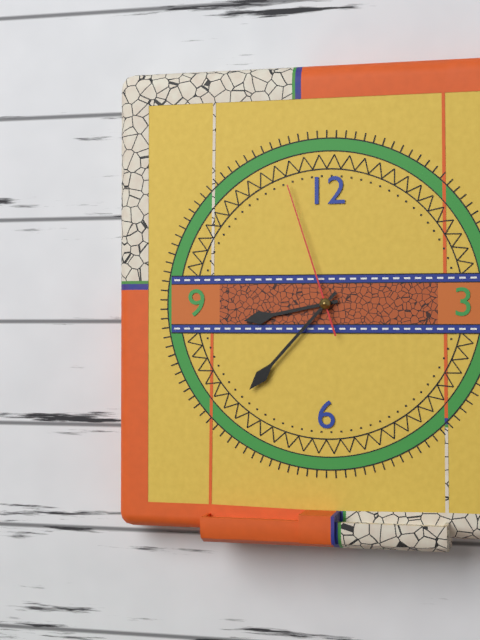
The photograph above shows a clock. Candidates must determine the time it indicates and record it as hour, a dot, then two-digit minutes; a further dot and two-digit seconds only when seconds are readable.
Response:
8.37.57
